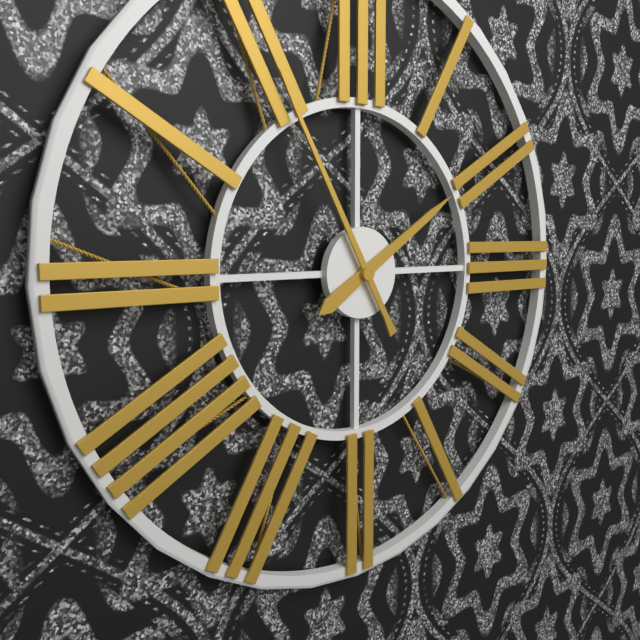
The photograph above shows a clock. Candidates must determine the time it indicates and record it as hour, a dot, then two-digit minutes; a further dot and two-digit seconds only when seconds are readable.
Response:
1.55
